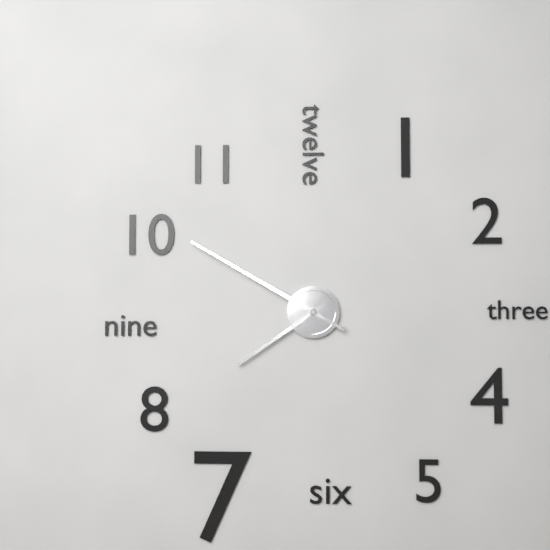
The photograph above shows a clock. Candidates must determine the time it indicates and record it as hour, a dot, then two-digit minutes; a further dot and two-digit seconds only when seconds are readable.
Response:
7.50
